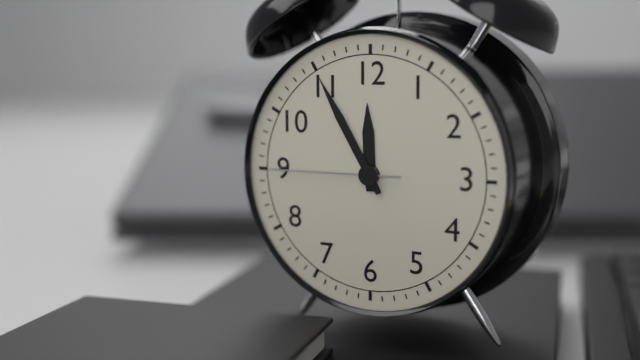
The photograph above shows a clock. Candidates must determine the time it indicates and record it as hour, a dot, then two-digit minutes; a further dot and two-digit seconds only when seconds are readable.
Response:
11.55.45
